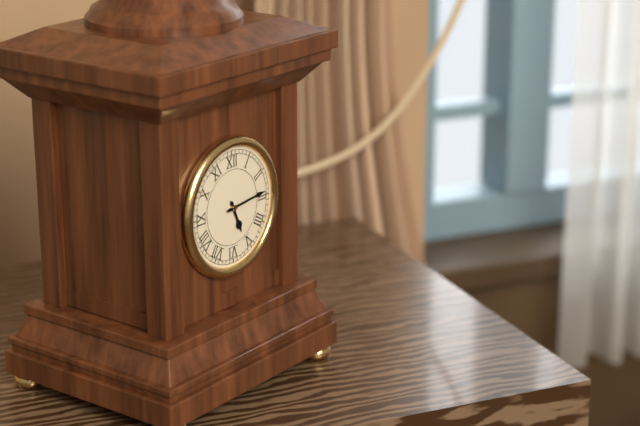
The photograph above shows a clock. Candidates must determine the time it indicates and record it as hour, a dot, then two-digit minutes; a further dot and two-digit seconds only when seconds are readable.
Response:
5.14
